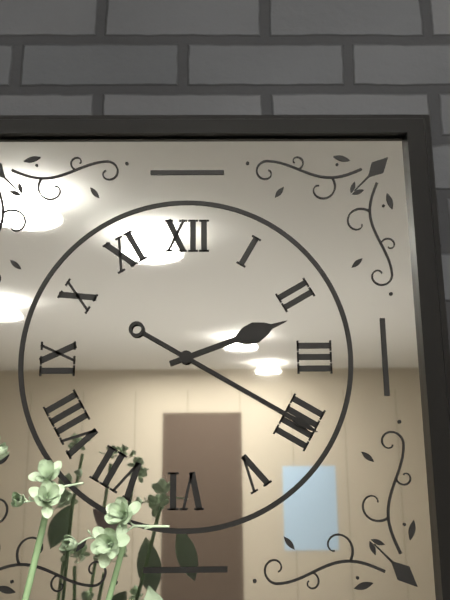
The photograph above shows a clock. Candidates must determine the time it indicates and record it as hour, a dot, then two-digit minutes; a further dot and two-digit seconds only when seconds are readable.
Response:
2.20
